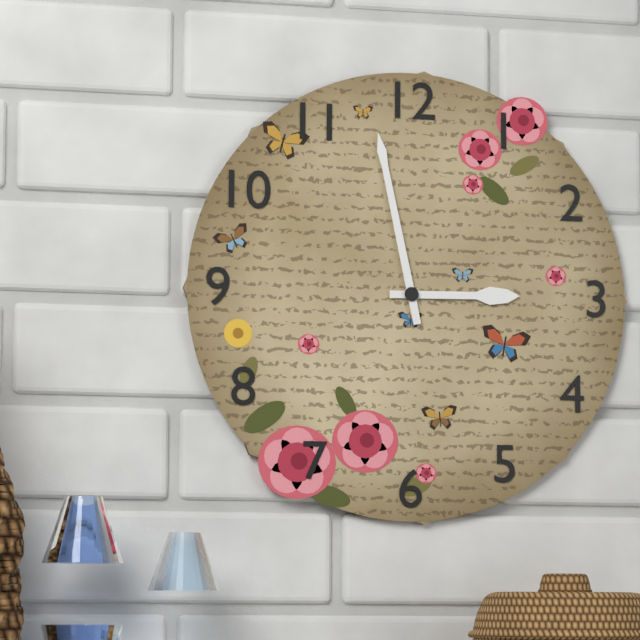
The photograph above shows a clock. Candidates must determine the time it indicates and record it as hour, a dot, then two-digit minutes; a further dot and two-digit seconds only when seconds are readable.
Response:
2.58
